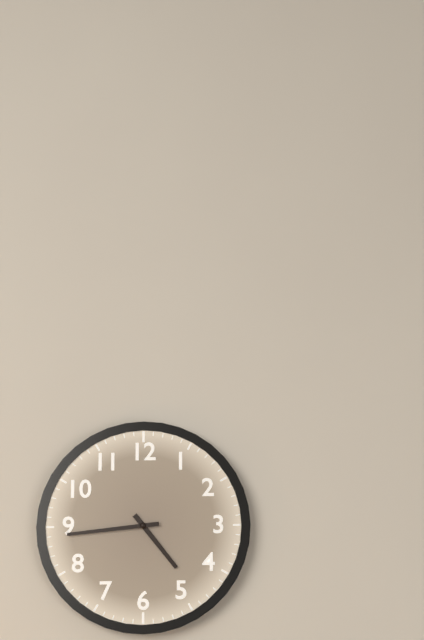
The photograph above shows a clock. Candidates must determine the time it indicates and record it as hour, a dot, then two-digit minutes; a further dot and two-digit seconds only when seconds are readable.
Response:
4.44
